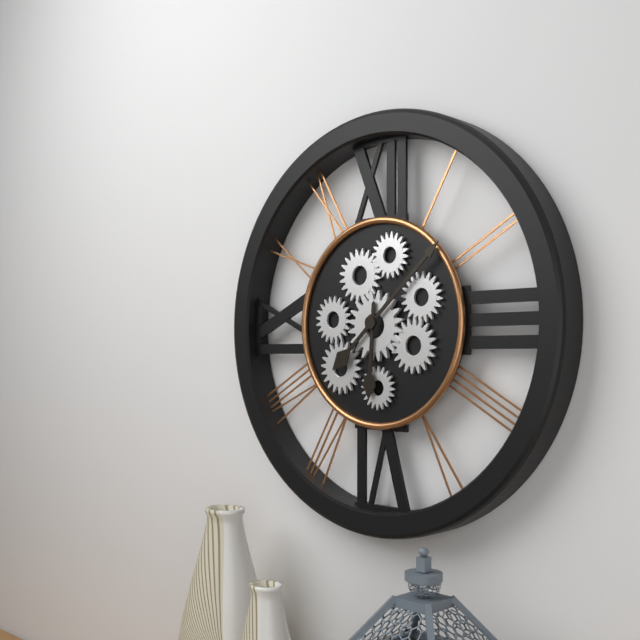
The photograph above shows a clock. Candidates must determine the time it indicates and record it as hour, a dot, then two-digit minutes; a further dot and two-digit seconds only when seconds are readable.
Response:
6.08
